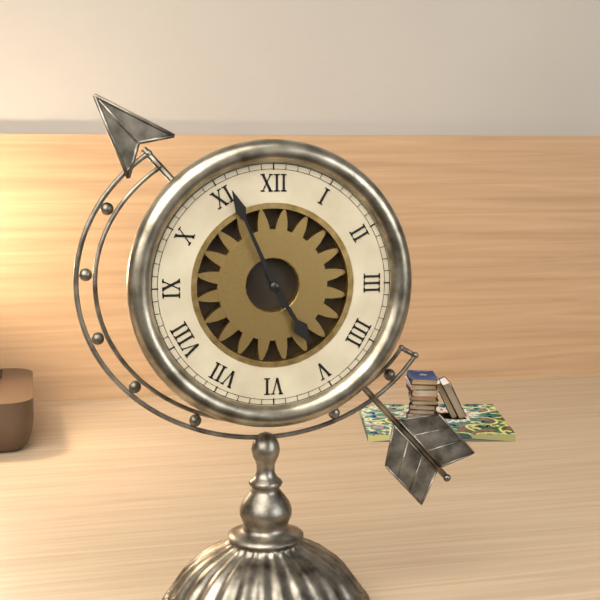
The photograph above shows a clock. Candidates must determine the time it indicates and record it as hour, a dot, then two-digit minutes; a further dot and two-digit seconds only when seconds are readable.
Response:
4.56
